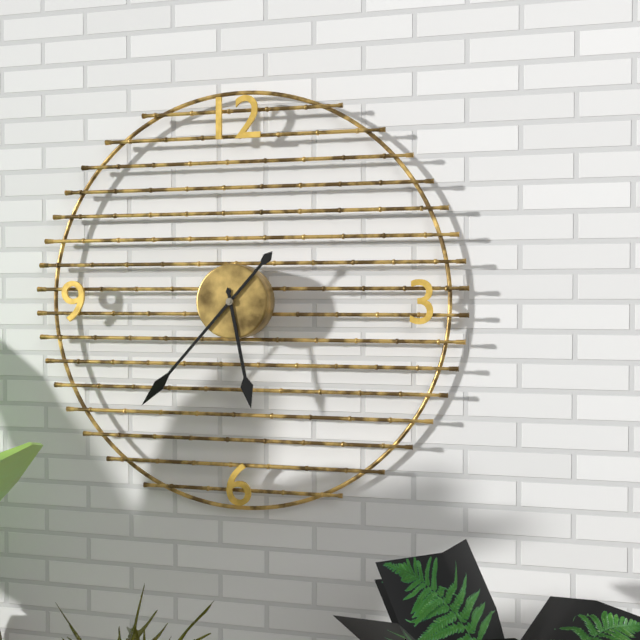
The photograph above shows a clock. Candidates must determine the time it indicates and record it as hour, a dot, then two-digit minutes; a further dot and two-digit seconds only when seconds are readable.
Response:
5.37
